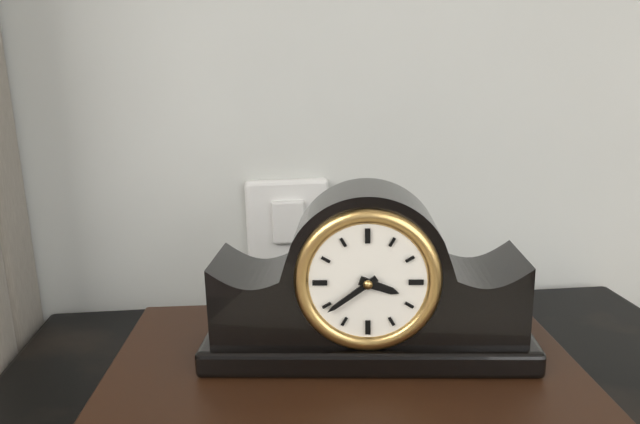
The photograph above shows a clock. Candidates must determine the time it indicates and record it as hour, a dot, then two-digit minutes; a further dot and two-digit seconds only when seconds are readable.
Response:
3.39
